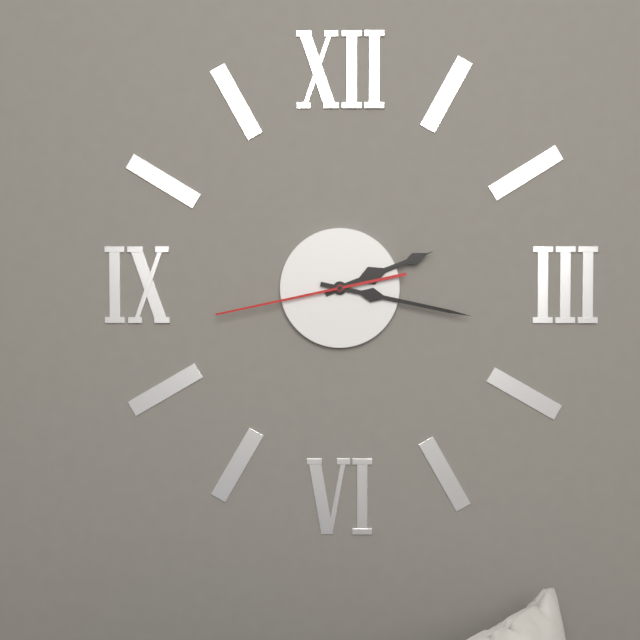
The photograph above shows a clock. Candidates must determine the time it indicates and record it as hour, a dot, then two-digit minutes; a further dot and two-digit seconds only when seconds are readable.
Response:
2.17.43
